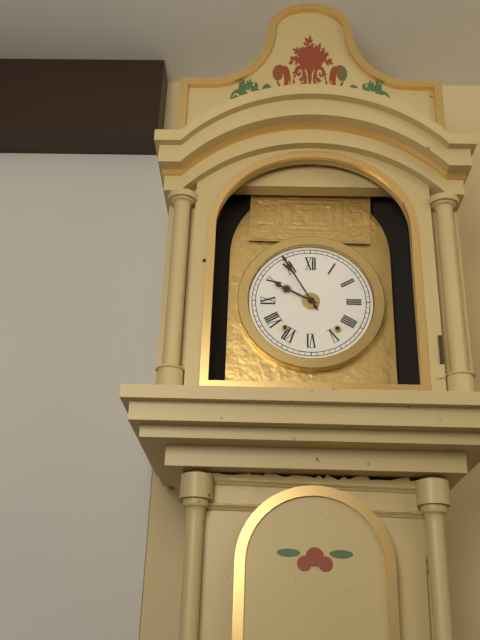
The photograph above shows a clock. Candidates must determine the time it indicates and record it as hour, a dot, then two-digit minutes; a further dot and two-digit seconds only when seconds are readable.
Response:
9.55
